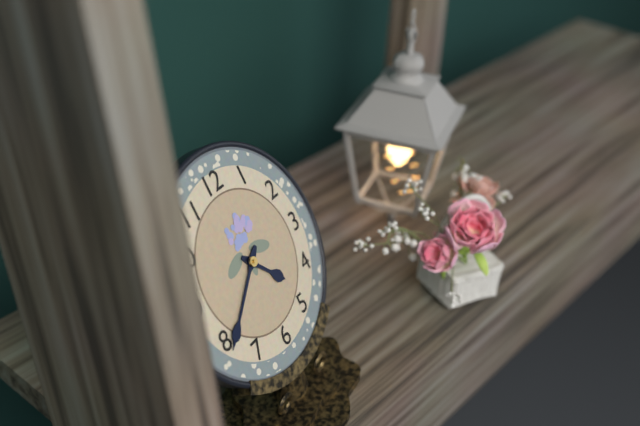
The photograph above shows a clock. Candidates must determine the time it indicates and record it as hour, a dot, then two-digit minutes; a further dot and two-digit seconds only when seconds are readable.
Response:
4.39
